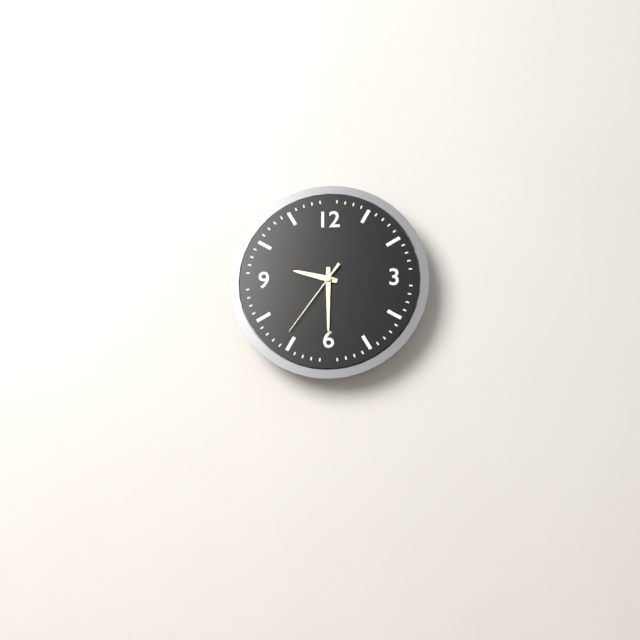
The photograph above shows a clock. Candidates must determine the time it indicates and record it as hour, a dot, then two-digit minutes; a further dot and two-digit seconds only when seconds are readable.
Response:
9.30.36
